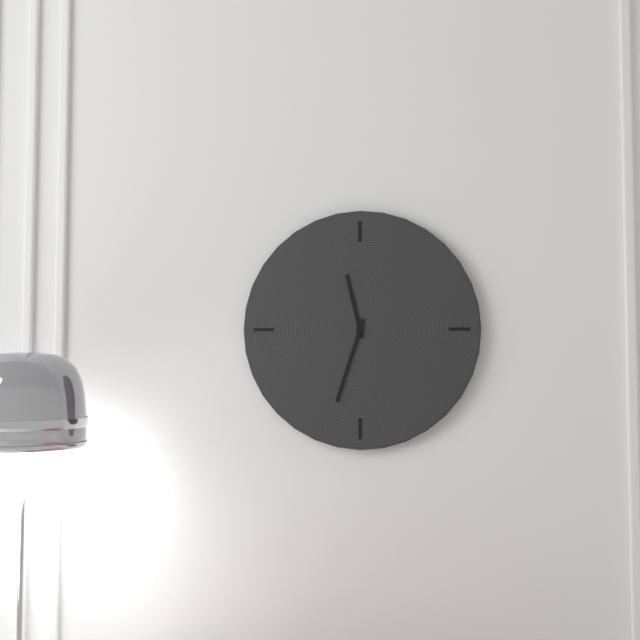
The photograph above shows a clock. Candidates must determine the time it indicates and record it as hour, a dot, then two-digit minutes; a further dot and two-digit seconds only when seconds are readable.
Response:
11.33
